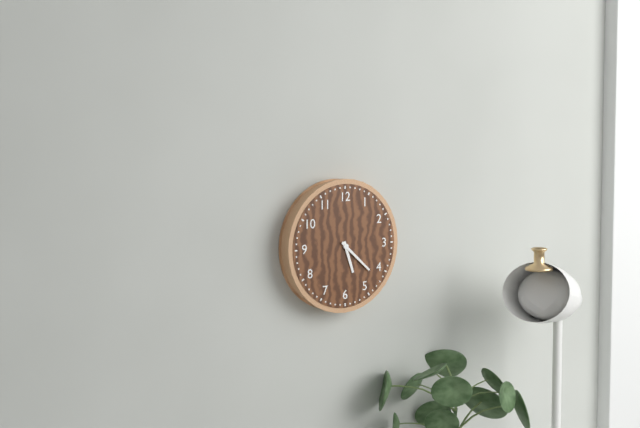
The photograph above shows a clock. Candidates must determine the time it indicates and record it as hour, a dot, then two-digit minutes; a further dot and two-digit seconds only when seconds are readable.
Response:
5.22
